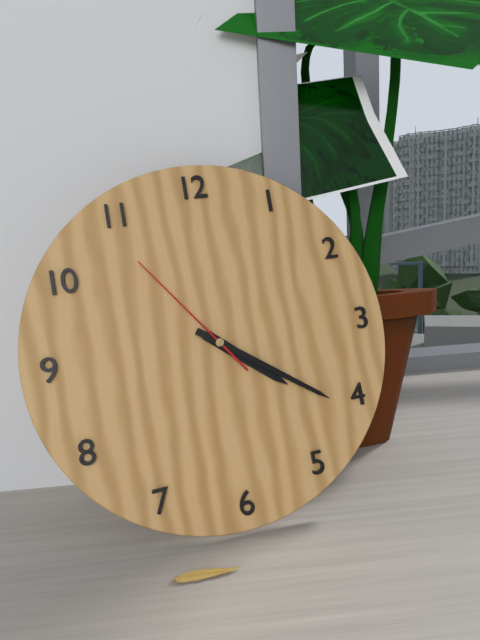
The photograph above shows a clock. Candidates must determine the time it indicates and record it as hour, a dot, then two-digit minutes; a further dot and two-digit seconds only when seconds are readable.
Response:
4.21.54
